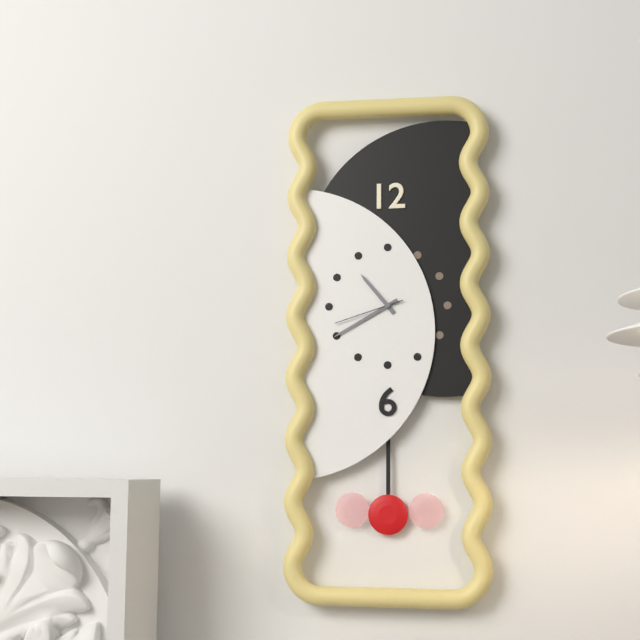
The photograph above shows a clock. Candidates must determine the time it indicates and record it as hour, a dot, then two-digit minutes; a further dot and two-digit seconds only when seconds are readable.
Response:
10.40.42
